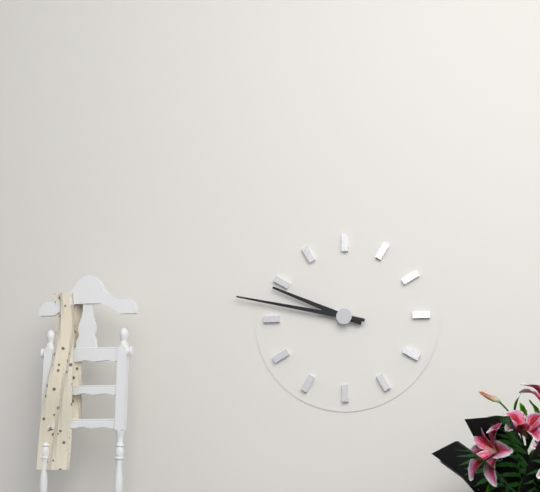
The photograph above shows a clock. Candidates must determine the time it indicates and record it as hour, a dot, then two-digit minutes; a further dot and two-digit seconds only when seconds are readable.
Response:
9.47
